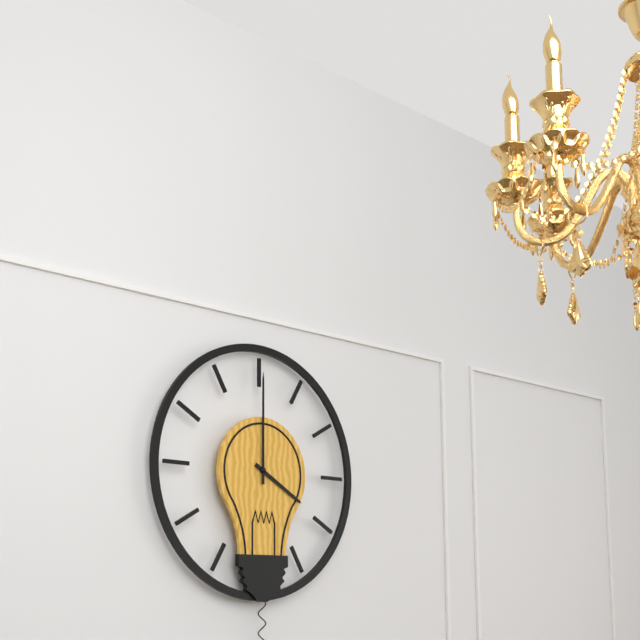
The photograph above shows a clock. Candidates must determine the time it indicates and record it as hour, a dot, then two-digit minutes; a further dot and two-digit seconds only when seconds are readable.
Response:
4.00
